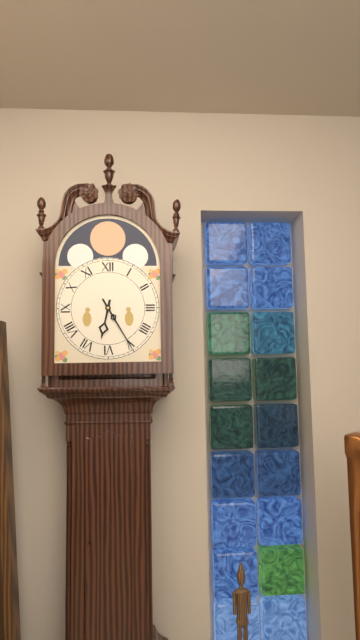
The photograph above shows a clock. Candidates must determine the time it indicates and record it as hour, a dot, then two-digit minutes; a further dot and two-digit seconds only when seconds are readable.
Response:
6.25
